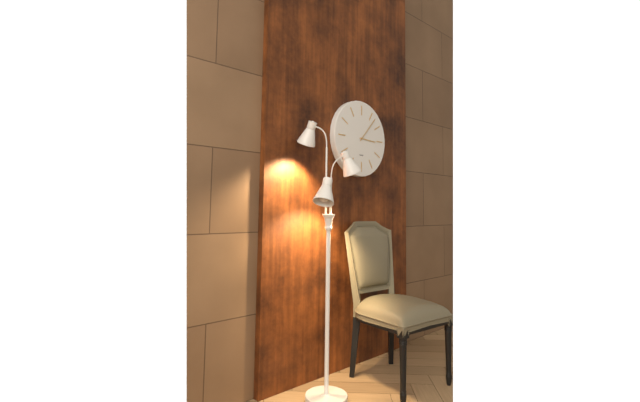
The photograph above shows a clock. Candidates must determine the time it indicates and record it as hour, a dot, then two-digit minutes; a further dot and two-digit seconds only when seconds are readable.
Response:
3.07
